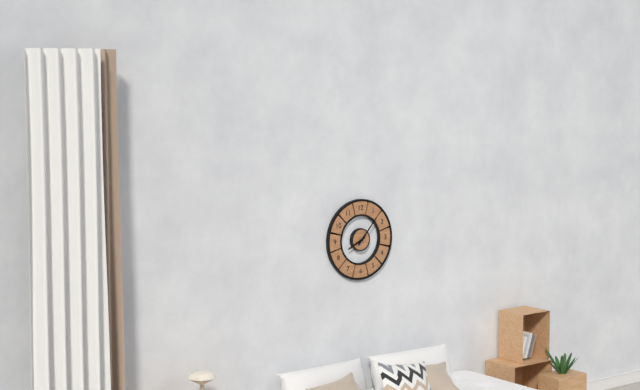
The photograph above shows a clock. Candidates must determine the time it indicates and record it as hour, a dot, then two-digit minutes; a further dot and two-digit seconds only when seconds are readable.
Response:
8.07
